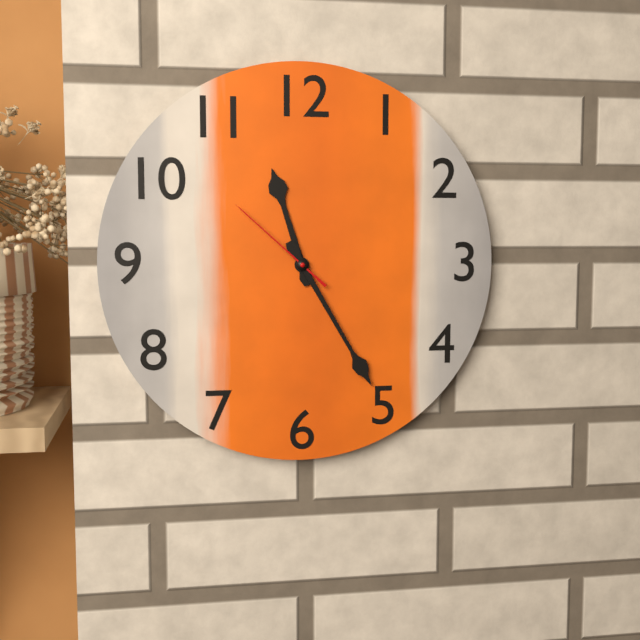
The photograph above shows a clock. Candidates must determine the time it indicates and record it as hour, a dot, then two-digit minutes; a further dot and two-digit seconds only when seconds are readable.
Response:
11.25.52
